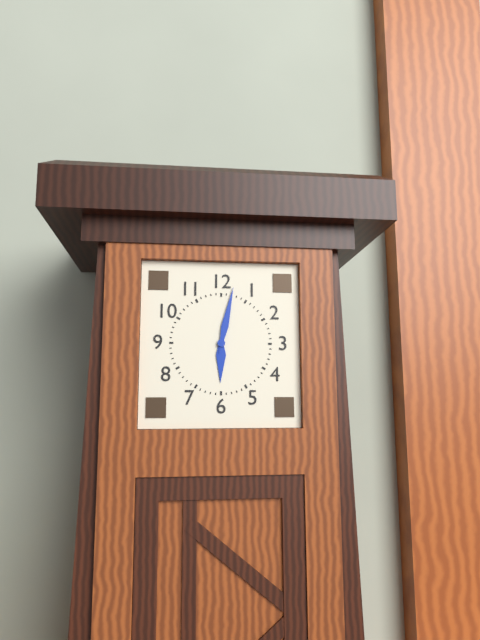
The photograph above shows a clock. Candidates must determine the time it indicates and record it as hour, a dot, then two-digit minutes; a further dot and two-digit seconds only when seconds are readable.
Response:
6.02
